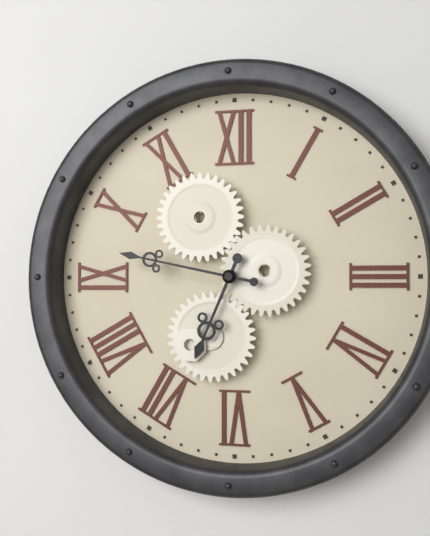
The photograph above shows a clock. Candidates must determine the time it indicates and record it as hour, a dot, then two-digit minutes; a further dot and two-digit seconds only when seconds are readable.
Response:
6.47
